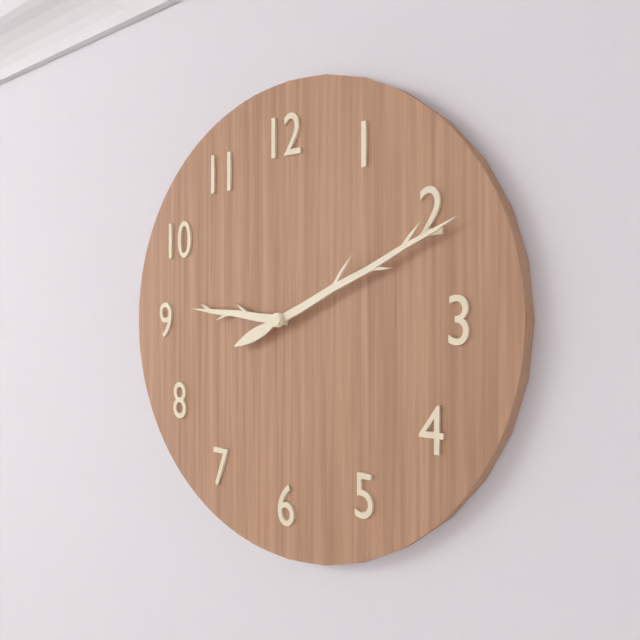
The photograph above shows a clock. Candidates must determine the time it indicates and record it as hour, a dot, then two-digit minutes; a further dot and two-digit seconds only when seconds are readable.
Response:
9.11
